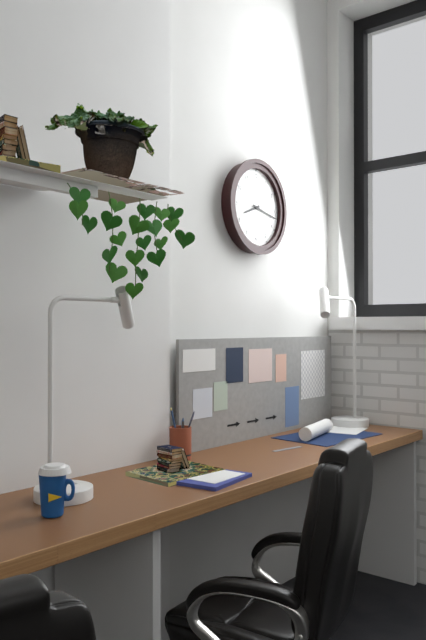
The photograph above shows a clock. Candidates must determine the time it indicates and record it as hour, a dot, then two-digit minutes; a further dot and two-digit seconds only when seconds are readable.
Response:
8.17
